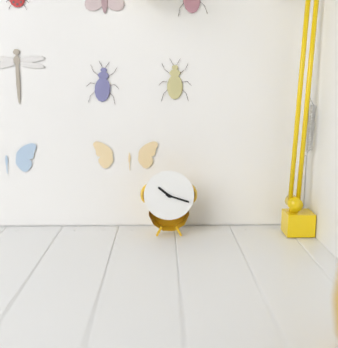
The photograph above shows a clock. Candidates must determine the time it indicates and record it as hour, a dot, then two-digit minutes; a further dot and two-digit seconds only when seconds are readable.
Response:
10.18
